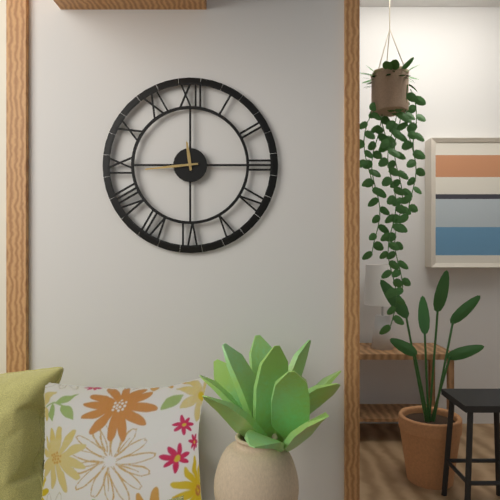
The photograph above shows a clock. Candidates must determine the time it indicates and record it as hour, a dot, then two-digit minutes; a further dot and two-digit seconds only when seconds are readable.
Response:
11.44
